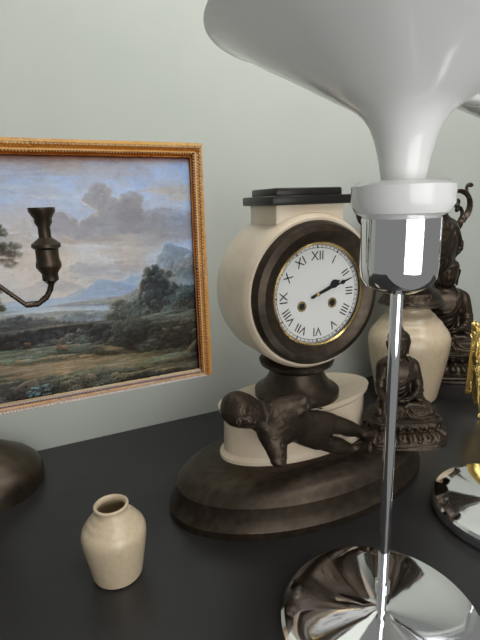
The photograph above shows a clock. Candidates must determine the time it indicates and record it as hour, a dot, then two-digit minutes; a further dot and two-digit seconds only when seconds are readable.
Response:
2.12
